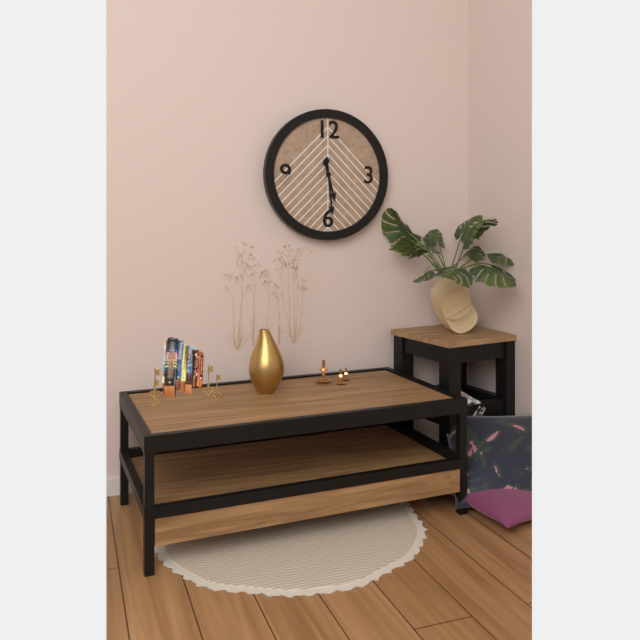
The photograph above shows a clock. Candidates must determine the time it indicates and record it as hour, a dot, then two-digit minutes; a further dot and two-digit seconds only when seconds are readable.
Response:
5.29
